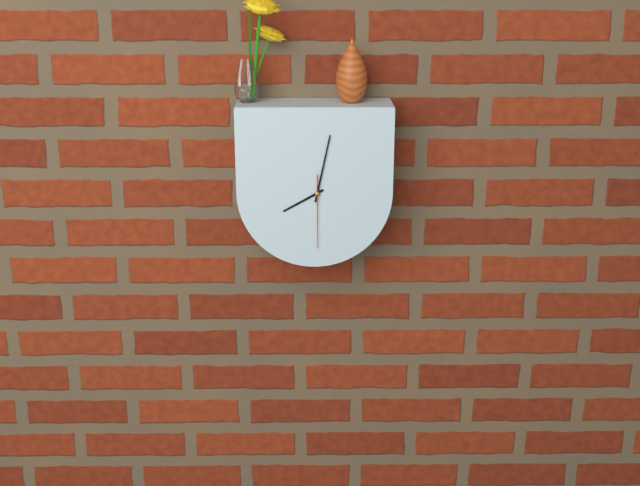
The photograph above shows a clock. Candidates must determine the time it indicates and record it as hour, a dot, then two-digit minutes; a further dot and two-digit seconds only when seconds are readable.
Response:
8.02.30
